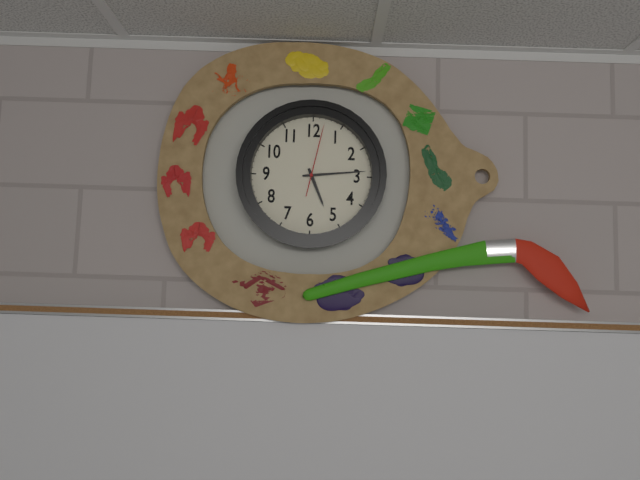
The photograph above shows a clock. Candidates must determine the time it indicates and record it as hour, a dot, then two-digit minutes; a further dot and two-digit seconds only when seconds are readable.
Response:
5.14.02
